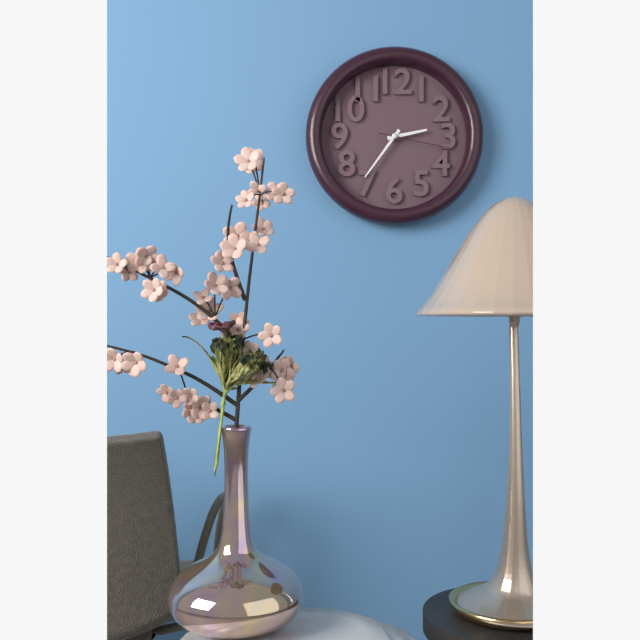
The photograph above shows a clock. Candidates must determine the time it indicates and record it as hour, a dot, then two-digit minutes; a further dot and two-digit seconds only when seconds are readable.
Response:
2.36.17
